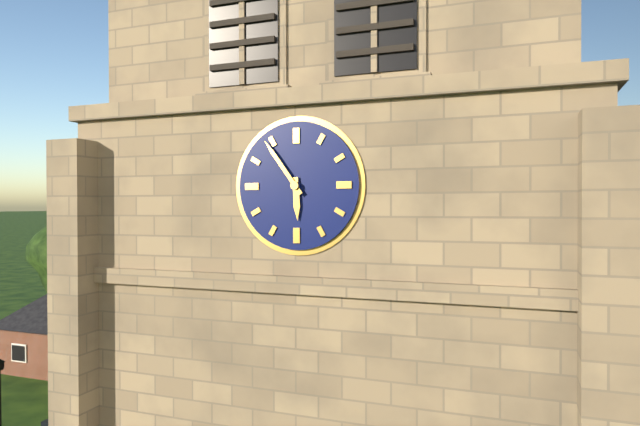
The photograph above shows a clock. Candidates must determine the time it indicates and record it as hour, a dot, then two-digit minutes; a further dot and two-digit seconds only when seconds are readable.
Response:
5.54
